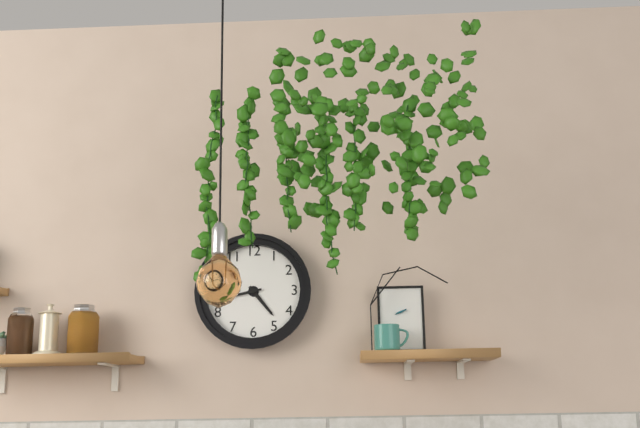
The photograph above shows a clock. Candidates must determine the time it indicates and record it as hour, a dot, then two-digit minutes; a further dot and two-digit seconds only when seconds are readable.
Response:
4.43
